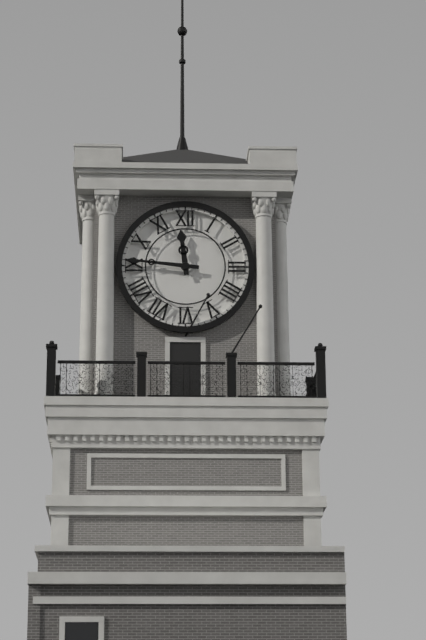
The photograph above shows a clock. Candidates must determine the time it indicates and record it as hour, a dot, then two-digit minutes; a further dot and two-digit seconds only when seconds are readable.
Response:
11.46
